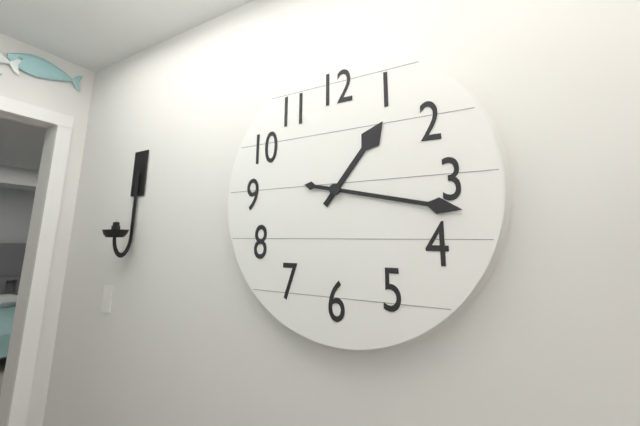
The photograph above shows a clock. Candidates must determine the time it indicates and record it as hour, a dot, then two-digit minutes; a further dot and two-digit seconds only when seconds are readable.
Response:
1.17
